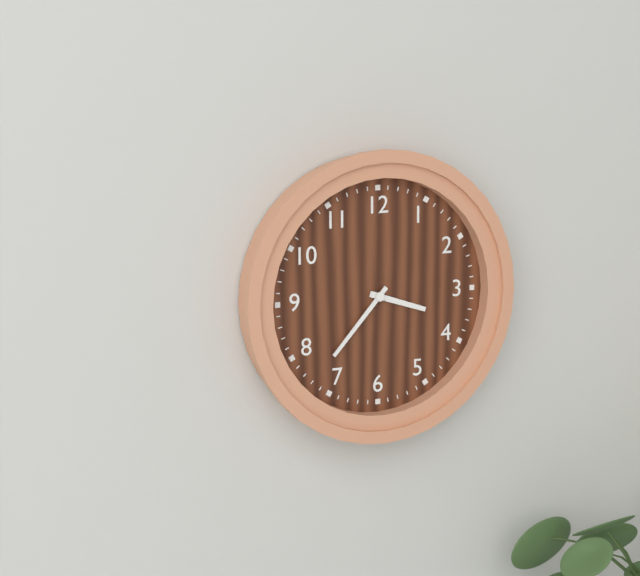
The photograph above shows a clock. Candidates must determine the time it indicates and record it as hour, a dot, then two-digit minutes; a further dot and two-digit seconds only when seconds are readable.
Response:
3.37
